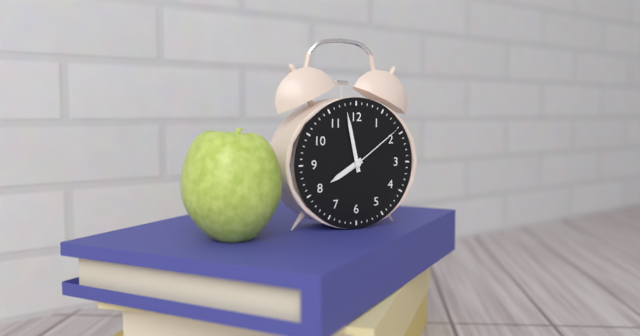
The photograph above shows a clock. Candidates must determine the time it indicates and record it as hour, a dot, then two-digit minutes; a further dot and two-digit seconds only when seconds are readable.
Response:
7.58.09
